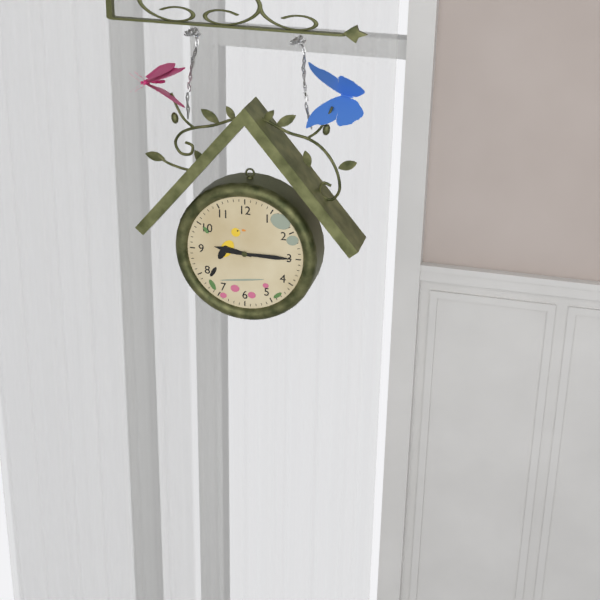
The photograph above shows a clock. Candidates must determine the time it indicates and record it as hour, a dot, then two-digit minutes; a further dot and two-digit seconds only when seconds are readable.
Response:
9.15
